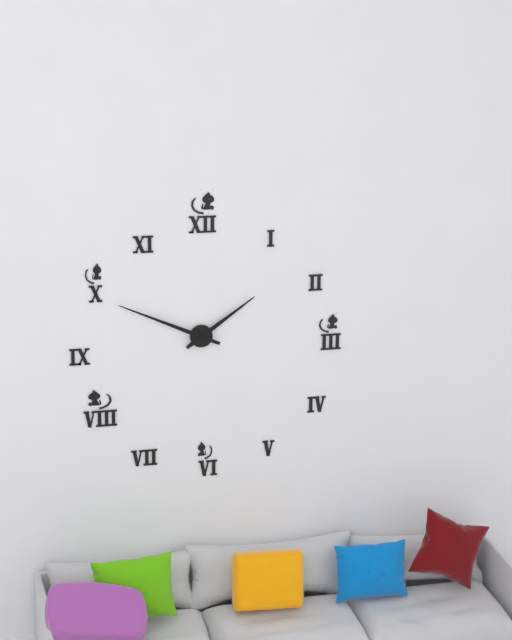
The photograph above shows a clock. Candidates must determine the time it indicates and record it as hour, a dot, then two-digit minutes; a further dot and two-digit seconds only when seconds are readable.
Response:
1.49
